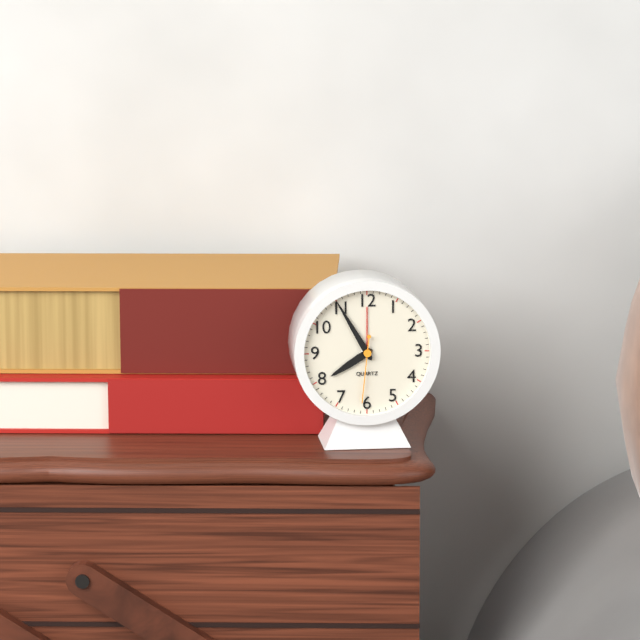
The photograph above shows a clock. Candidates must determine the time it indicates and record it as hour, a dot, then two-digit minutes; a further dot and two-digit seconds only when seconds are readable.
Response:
7.55.31
